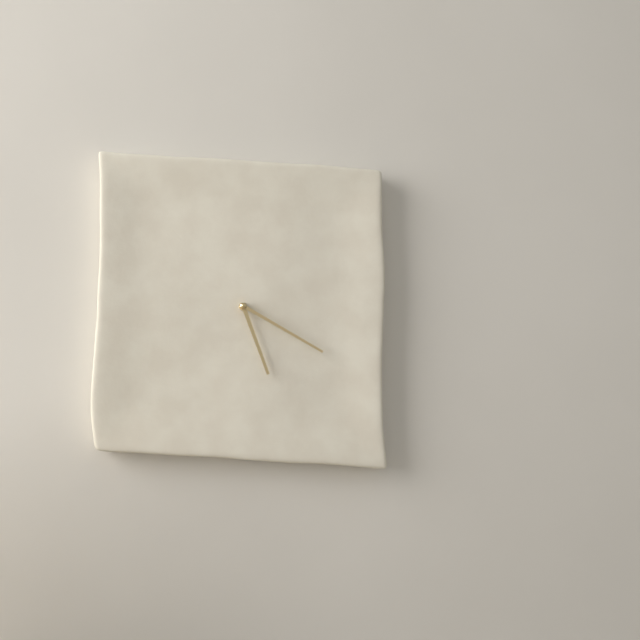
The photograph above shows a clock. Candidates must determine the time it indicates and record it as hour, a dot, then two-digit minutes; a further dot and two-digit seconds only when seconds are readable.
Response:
5.20
